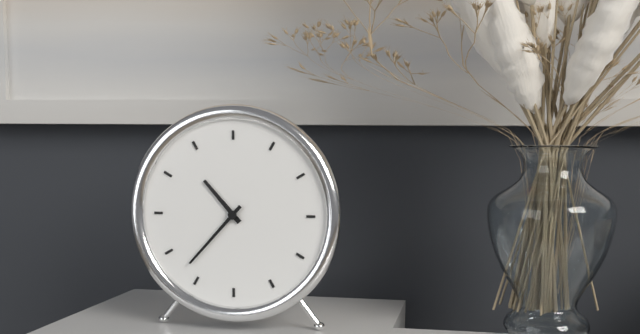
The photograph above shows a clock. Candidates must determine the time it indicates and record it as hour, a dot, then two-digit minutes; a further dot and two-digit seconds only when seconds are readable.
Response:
10.37
